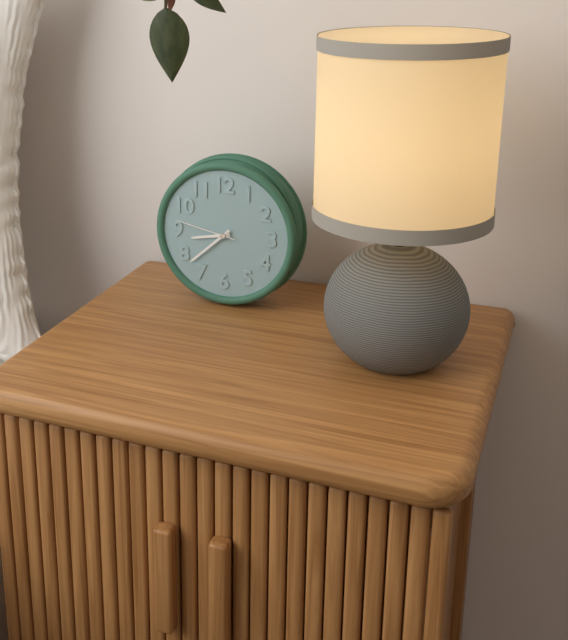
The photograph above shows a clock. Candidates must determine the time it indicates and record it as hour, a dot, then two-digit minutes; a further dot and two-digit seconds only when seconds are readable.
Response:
8.38.47
